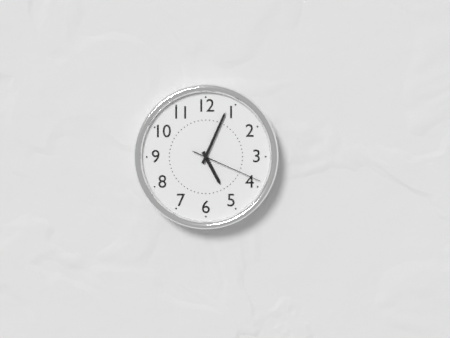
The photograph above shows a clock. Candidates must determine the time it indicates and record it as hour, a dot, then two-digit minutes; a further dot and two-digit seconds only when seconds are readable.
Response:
5.04.19
